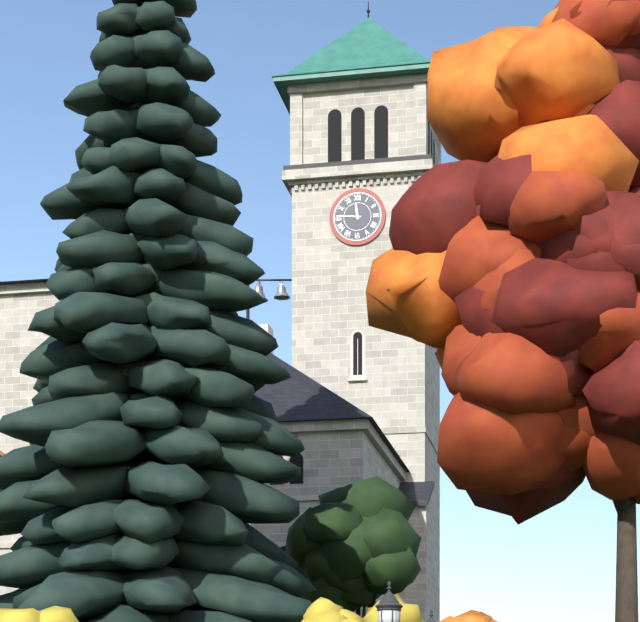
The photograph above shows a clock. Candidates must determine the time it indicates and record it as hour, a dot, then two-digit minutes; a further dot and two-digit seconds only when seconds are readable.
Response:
11.46
